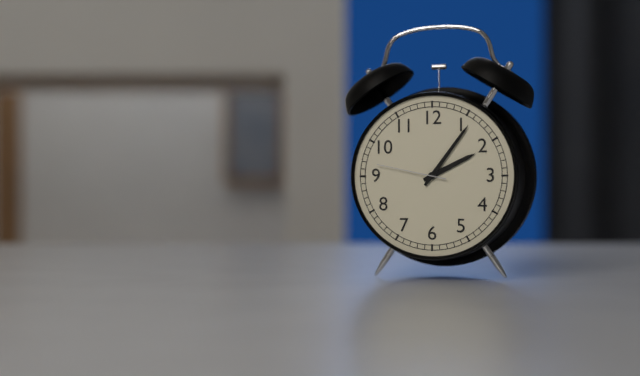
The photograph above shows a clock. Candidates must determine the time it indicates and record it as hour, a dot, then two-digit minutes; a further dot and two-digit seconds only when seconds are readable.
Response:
2.06.47
